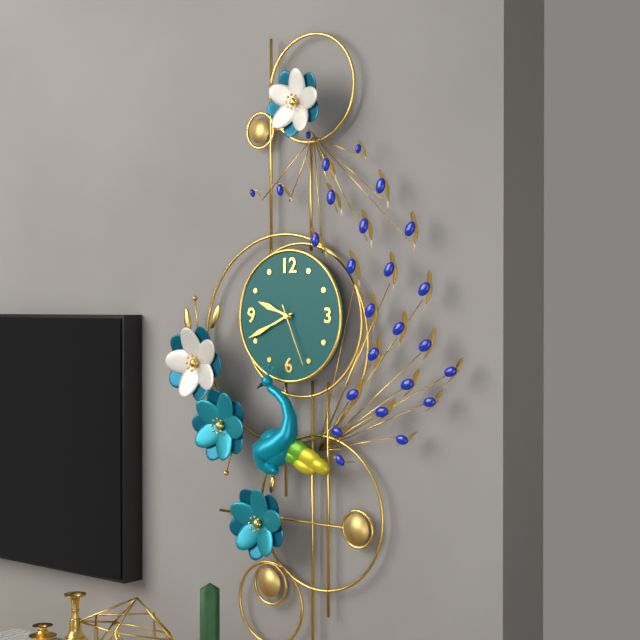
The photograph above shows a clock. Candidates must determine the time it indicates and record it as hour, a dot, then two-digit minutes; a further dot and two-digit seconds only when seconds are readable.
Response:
9.41.26
